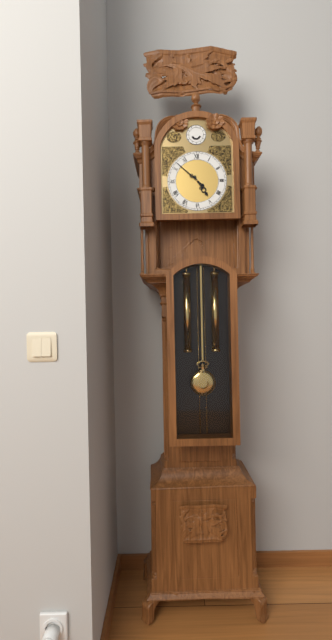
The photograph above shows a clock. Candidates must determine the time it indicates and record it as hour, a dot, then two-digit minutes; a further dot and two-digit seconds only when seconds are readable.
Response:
4.52
